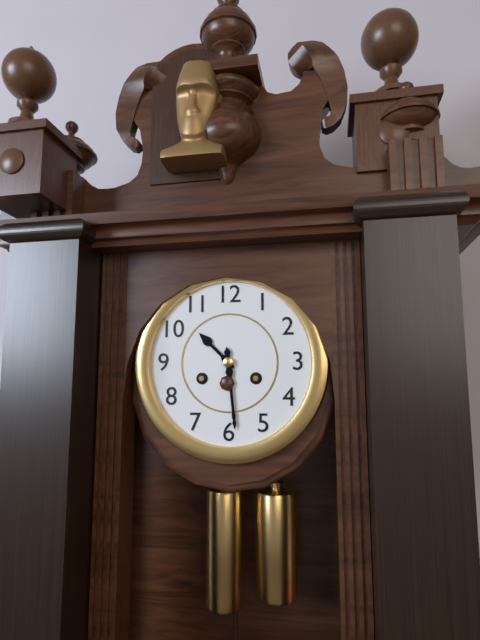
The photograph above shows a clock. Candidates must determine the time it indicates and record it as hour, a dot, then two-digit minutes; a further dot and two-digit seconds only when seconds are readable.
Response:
10.29
